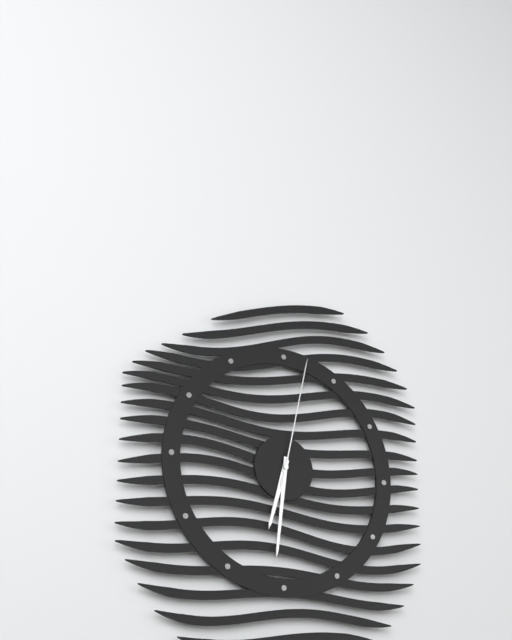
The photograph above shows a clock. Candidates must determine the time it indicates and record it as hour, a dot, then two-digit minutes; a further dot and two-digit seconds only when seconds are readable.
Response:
6.31.02
